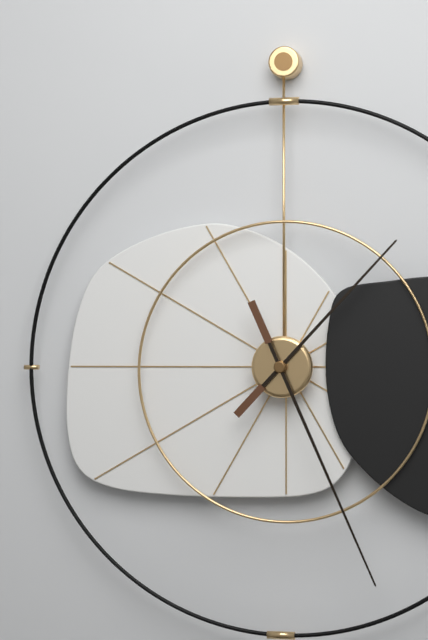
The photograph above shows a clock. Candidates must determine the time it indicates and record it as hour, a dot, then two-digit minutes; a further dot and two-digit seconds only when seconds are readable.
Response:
1.26
